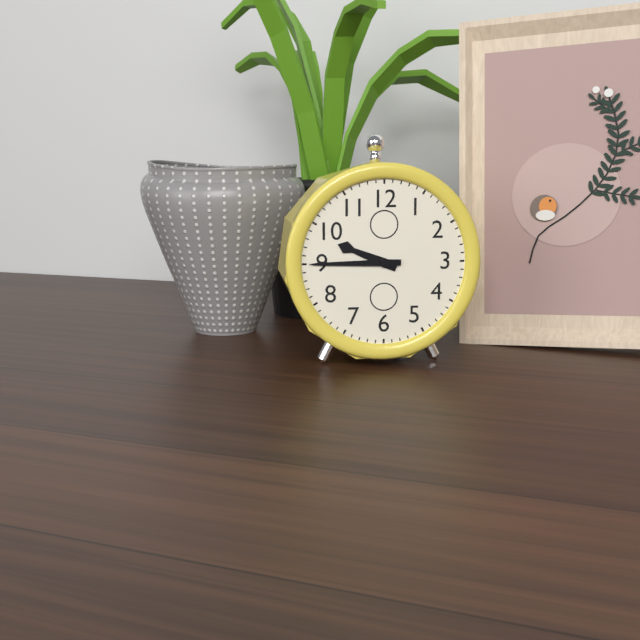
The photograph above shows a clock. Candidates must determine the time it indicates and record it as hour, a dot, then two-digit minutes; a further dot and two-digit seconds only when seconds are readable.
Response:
9.45
